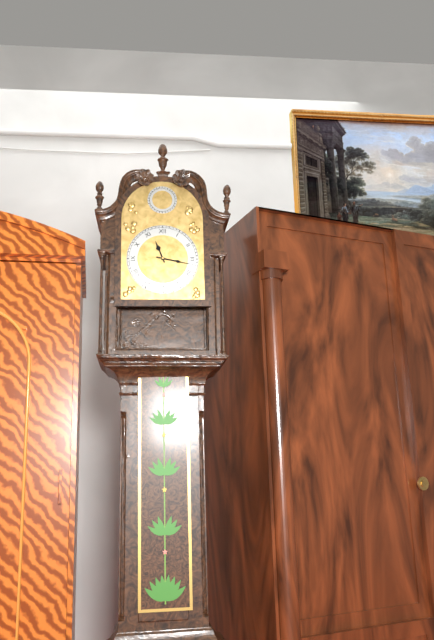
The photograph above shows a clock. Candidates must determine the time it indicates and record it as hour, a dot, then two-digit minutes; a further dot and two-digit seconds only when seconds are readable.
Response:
11.17
